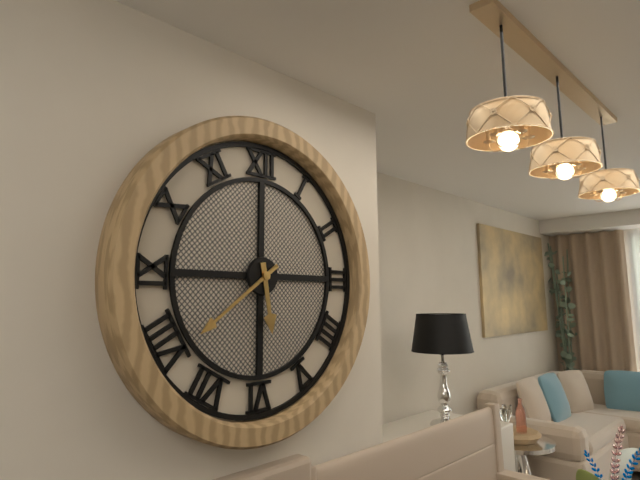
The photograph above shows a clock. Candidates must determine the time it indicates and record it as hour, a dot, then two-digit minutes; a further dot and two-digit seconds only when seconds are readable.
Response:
5.39
